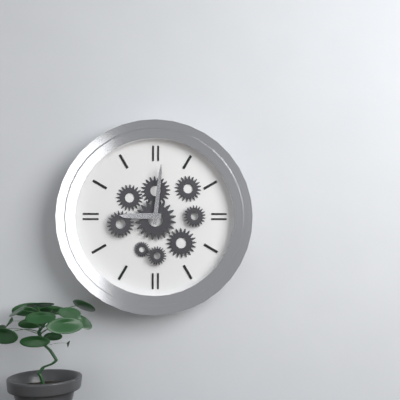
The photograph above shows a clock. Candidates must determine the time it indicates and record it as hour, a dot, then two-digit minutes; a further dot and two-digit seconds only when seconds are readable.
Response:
9.01
